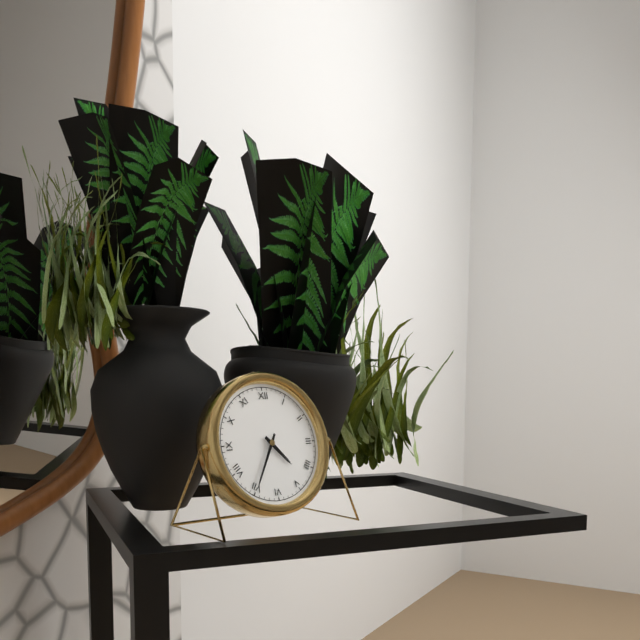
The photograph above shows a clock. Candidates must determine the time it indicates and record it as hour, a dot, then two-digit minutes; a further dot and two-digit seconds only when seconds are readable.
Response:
4.35
